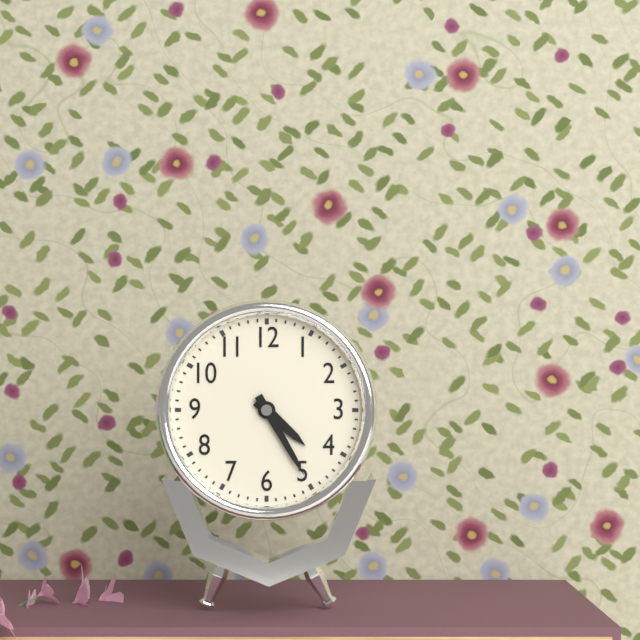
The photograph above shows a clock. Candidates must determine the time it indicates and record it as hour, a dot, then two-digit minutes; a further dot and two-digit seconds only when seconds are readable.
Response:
4.25
